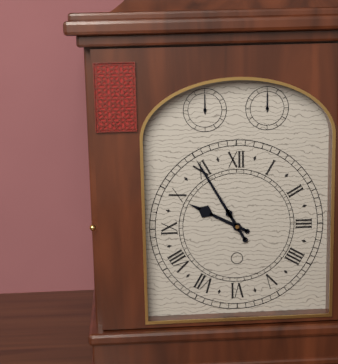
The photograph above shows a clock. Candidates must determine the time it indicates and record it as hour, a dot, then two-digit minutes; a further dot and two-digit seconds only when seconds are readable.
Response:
9.55
